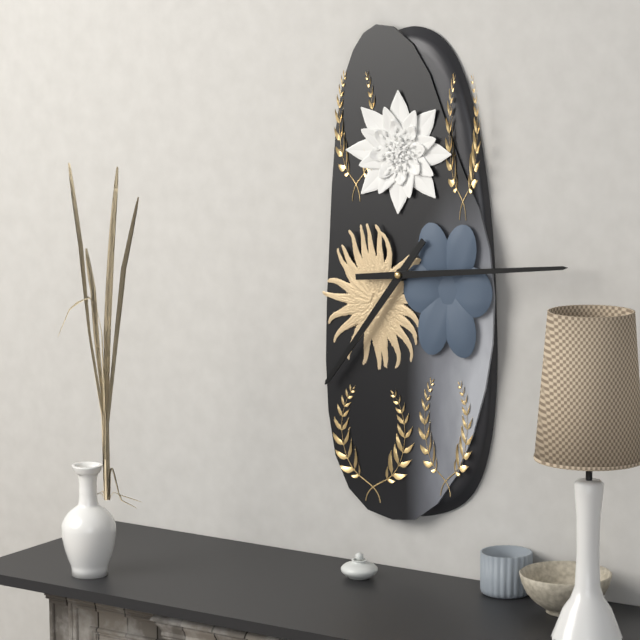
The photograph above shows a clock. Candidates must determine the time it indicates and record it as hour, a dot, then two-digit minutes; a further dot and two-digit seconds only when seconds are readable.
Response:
7.14
